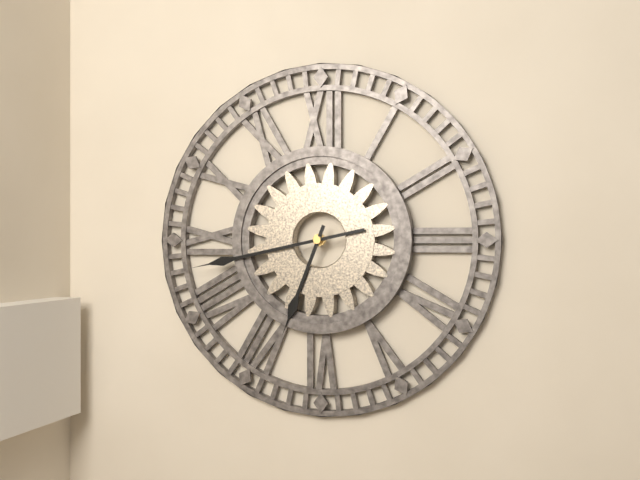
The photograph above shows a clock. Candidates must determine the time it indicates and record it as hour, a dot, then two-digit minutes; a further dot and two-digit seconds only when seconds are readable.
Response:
6.43
